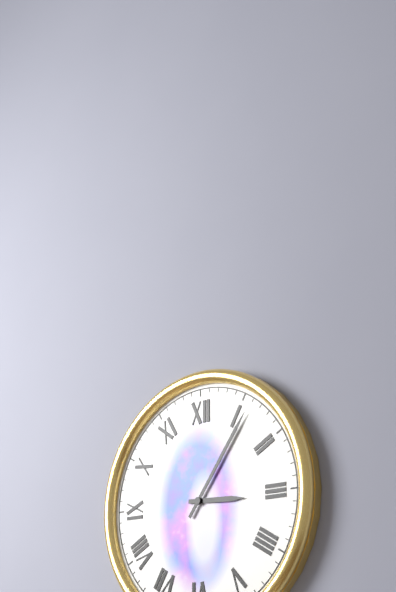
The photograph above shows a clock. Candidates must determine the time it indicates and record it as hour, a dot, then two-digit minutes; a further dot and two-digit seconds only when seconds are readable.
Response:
3.06
